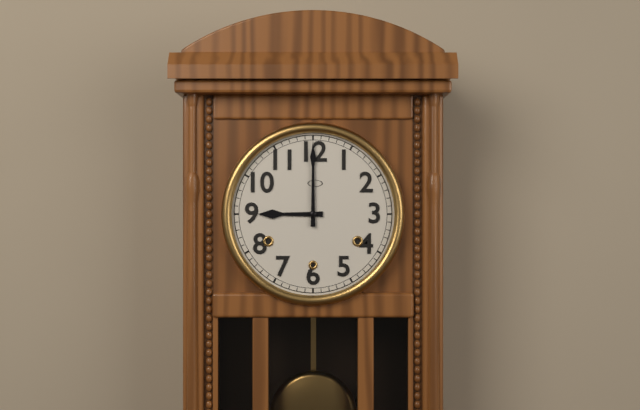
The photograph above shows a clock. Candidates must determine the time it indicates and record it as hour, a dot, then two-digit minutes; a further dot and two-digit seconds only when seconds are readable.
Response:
9.00
